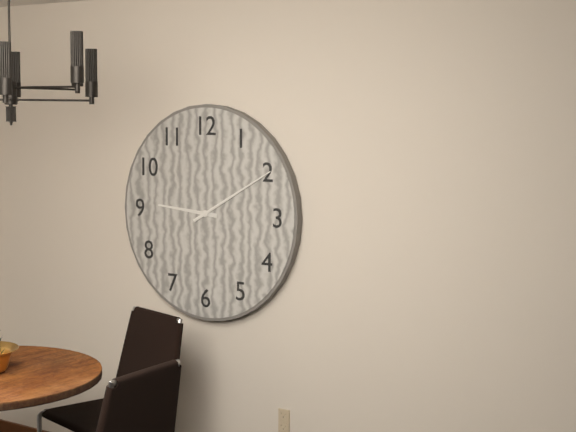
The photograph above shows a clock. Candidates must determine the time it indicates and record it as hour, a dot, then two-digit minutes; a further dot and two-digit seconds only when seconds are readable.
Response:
9.10
